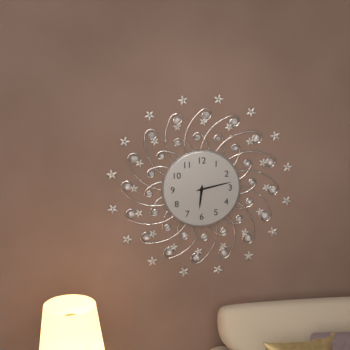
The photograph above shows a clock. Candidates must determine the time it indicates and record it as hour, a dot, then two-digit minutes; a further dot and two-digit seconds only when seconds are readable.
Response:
6.13
